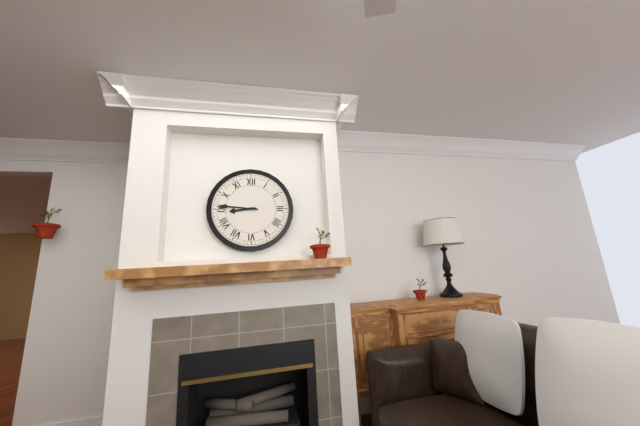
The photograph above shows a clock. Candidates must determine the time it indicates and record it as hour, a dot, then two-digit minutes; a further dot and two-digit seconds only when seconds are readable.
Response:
8.46
